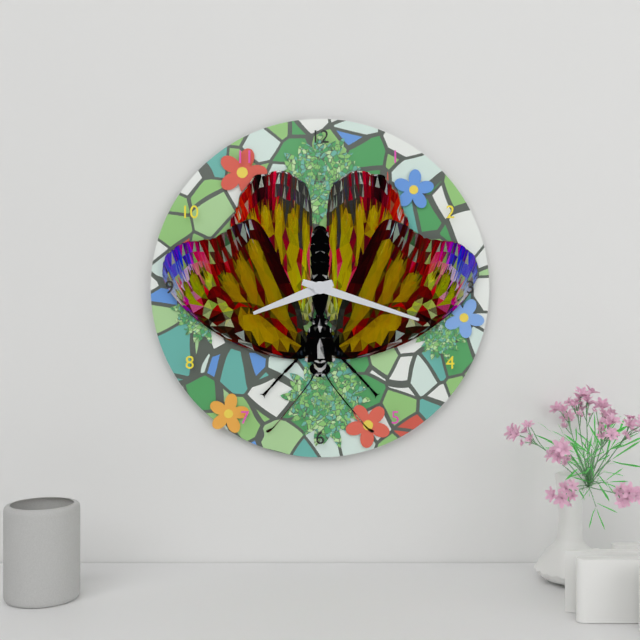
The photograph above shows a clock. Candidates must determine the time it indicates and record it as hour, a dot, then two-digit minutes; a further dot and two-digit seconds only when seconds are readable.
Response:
8.18
